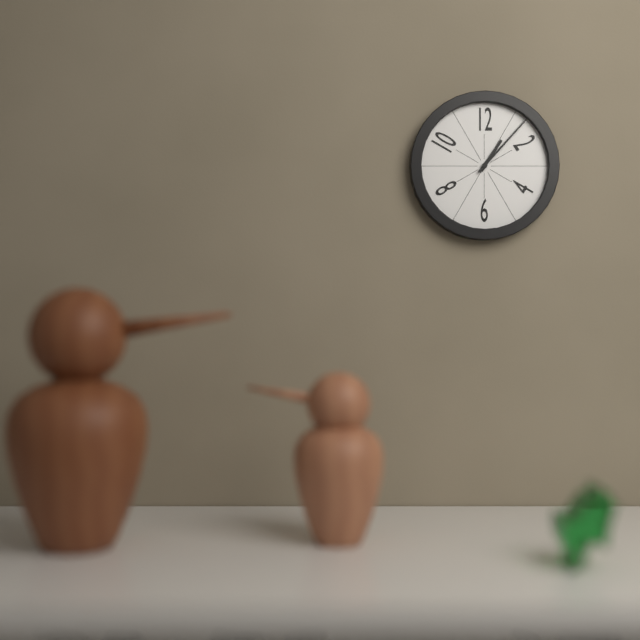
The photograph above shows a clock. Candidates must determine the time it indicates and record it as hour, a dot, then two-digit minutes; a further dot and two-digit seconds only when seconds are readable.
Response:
1.07
